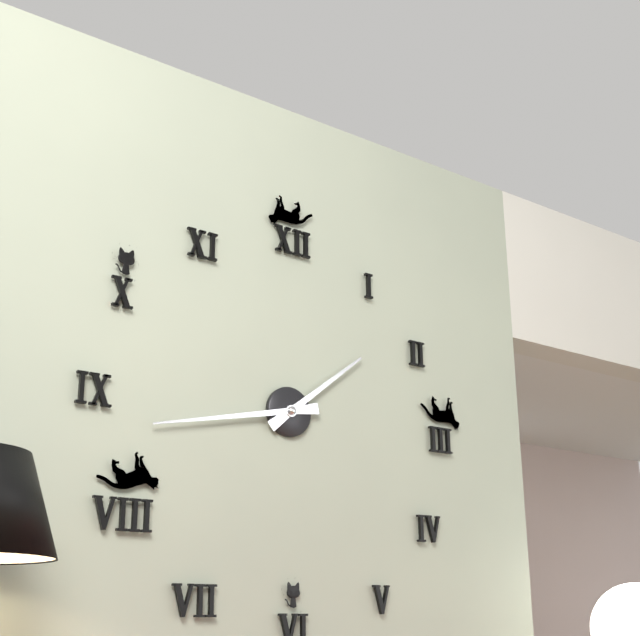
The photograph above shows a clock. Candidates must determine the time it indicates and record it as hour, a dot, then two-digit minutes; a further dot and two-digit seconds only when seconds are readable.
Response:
1.43
